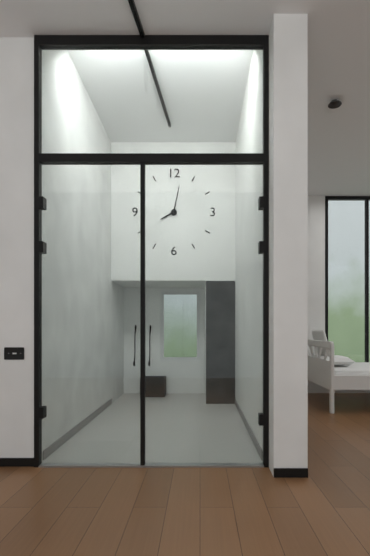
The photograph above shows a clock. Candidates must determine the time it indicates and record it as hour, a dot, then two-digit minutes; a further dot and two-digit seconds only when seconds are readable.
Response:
8.02
